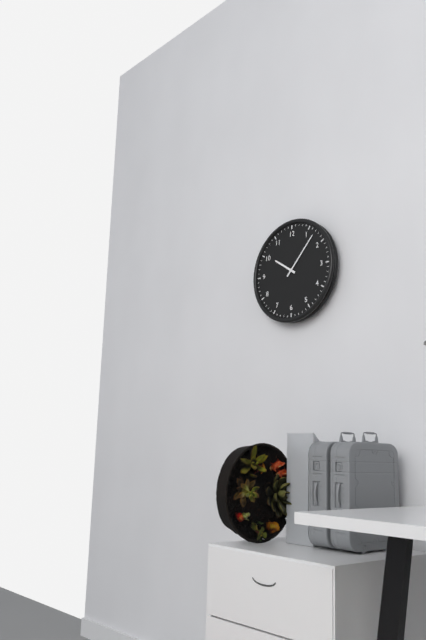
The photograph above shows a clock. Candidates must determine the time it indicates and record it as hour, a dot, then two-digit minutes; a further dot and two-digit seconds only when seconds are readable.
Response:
10.07
